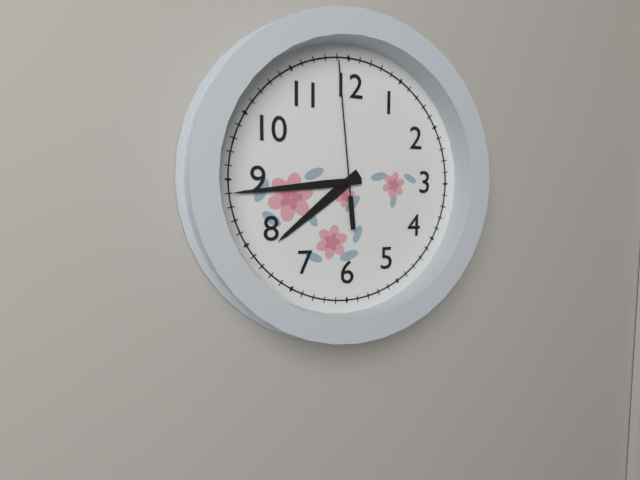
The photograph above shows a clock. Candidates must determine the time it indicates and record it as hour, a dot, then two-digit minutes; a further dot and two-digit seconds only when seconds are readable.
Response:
7.44.59
